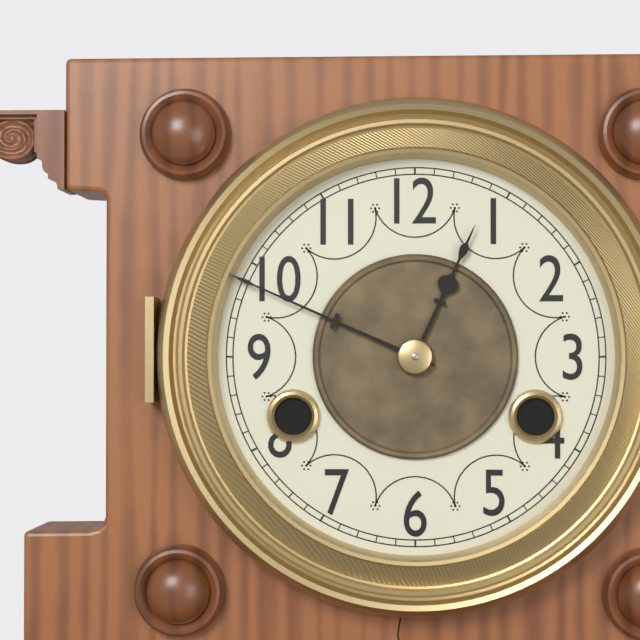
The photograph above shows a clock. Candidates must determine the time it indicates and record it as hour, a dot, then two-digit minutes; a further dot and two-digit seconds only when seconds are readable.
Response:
12.49
